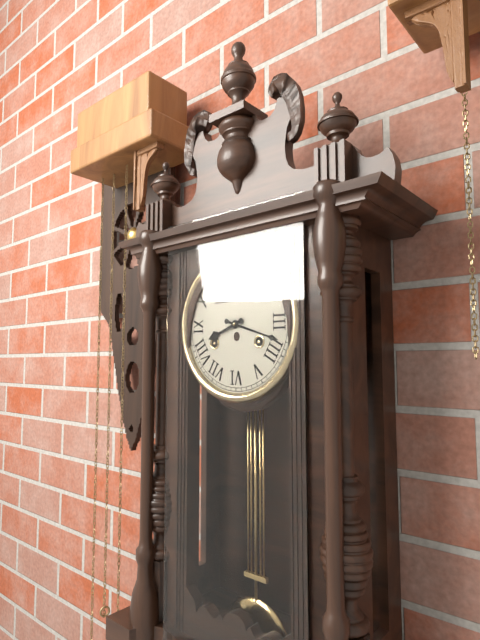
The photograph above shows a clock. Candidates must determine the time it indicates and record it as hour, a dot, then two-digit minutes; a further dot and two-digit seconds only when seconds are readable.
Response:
8.18
